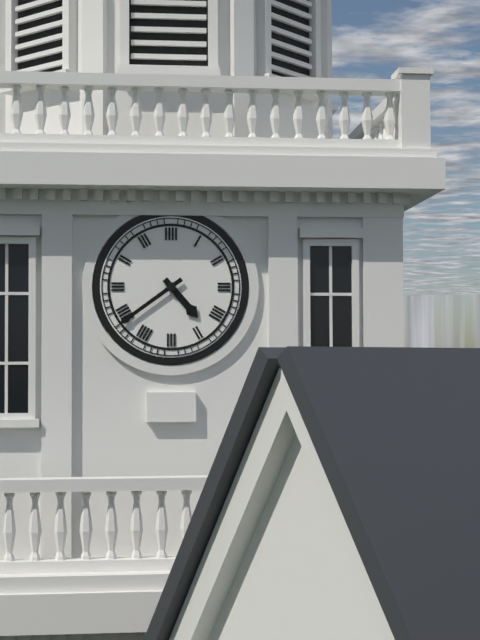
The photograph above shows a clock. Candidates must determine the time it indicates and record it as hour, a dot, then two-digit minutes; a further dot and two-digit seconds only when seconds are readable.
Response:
4.39
